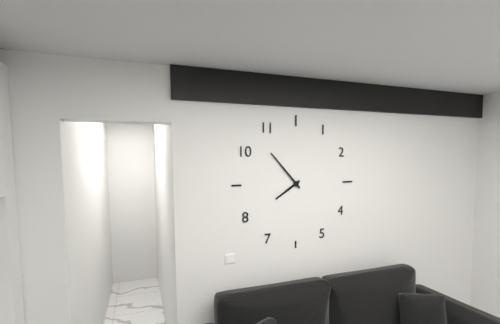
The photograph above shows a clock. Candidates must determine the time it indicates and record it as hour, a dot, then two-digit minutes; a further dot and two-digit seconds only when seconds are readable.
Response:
7.53
